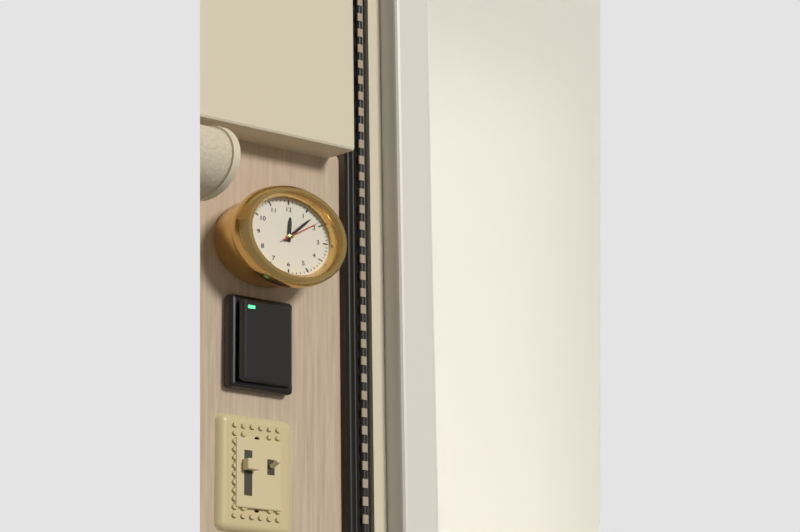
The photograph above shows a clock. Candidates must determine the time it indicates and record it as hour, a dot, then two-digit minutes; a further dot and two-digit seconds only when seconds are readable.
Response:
12.07
